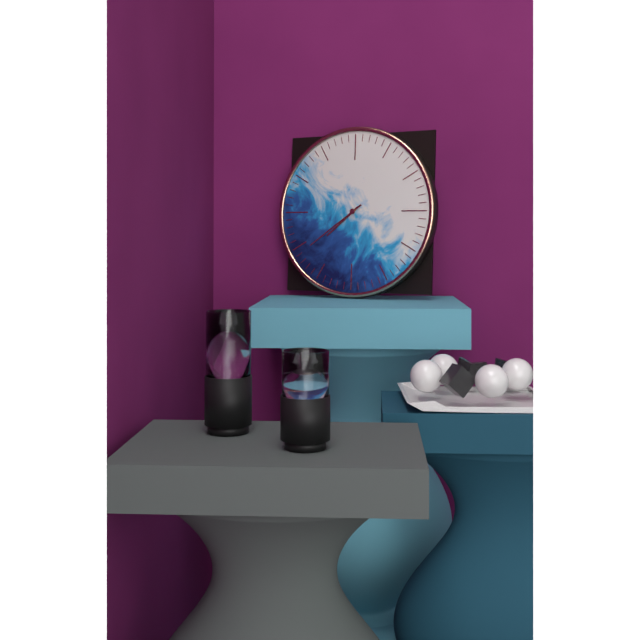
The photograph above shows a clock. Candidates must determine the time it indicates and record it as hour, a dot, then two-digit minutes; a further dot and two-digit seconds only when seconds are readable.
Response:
7.39
